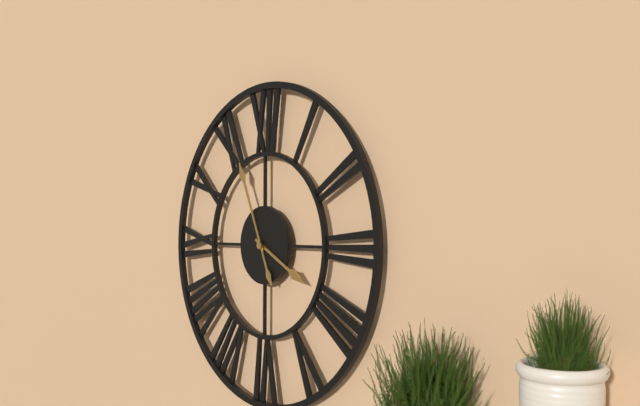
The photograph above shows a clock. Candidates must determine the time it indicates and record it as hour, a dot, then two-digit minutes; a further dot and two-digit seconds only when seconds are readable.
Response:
3.56
